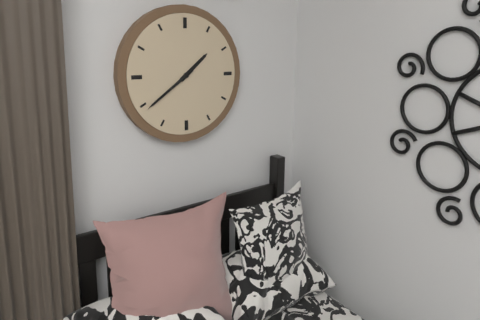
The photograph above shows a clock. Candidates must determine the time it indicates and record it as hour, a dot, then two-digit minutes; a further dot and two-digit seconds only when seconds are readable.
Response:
1.39
